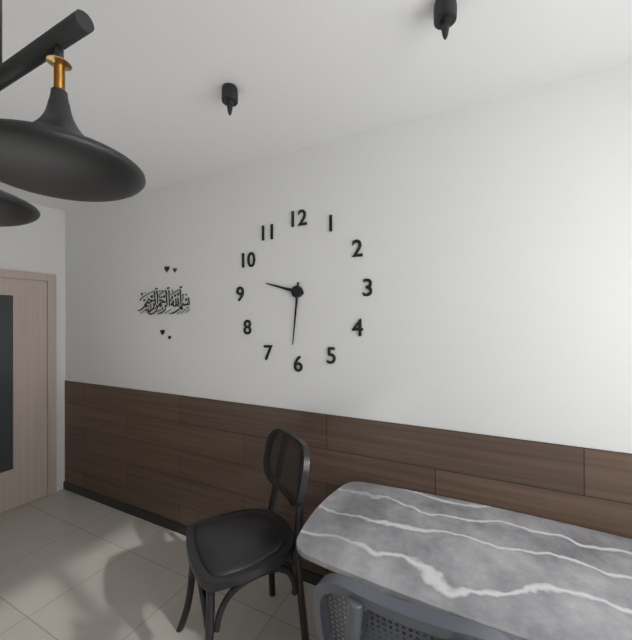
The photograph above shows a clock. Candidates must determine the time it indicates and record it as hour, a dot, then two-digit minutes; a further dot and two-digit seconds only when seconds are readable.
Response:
9.31
